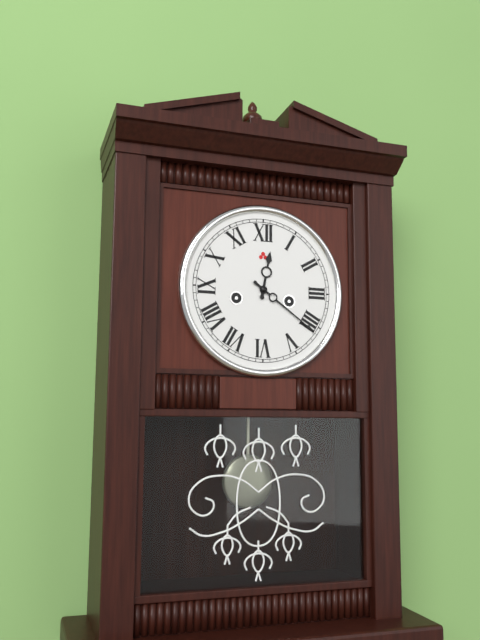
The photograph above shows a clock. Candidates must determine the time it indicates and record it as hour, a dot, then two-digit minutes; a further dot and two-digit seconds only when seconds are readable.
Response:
12.21
